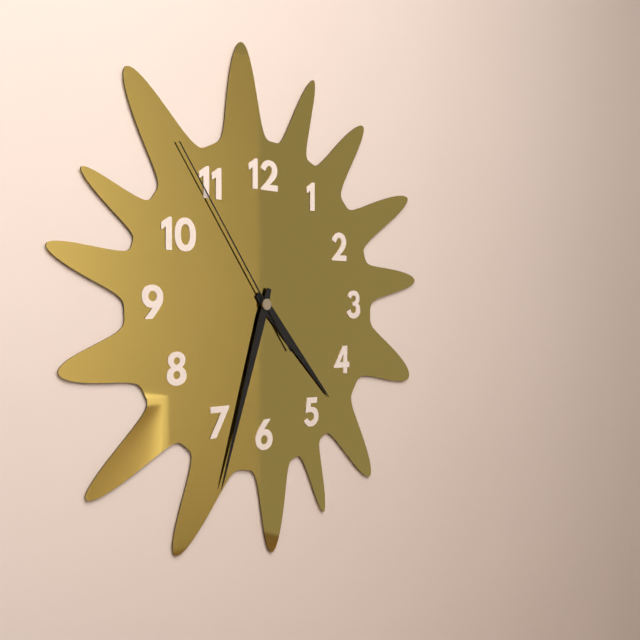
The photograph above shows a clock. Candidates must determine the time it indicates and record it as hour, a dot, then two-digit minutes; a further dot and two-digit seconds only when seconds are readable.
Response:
4.33.54
